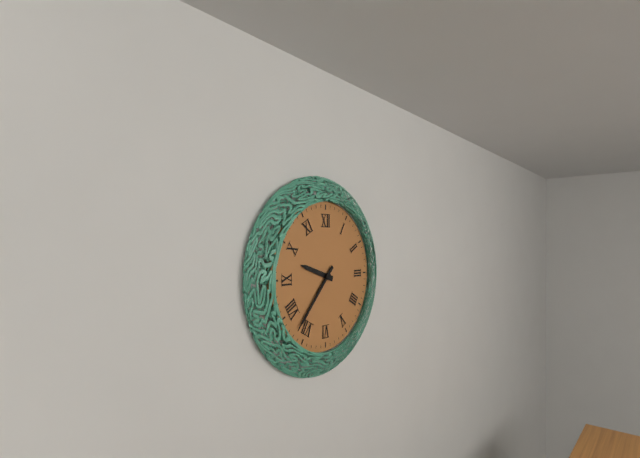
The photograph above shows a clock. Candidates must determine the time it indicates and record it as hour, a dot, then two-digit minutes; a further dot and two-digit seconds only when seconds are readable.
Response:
9.37
